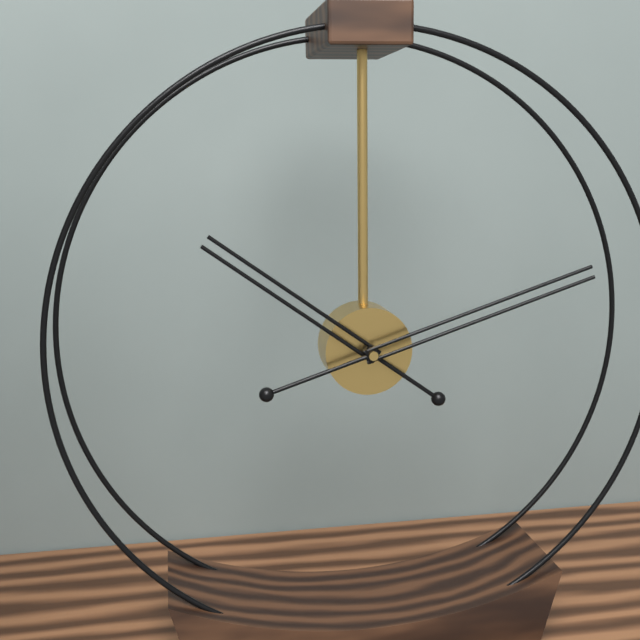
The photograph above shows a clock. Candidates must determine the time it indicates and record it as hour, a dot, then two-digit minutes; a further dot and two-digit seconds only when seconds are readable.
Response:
10.12
